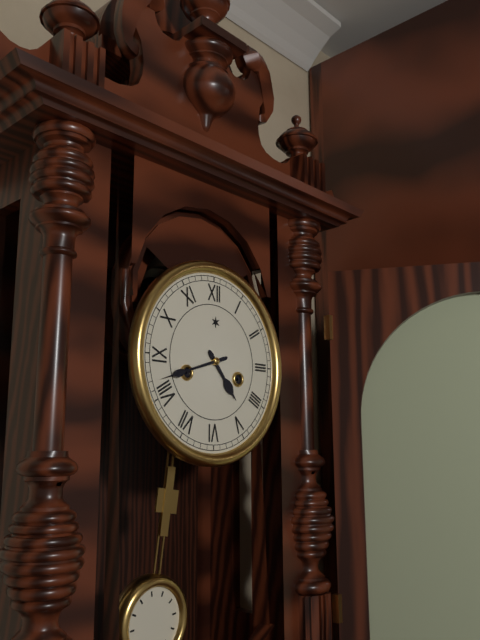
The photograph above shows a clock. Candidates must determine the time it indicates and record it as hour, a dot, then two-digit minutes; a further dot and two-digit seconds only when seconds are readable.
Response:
4.42
